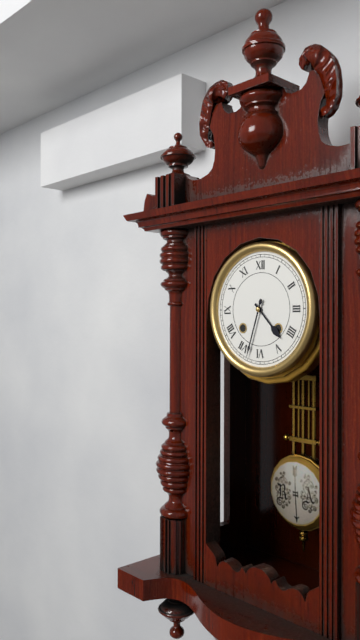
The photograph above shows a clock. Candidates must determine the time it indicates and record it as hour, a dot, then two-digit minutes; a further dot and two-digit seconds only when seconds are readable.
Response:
4.33
